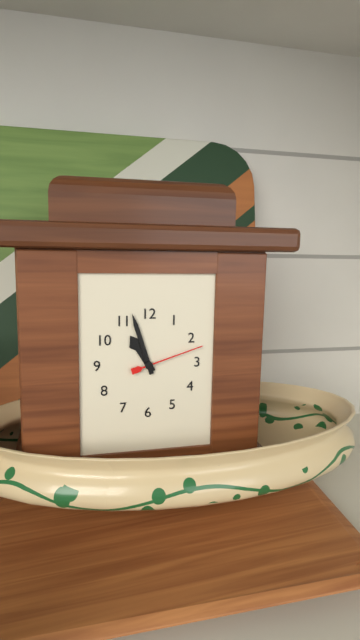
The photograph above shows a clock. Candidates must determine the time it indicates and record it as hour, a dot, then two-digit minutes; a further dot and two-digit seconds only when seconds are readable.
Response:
10.57.12
